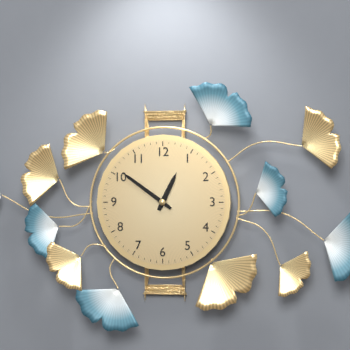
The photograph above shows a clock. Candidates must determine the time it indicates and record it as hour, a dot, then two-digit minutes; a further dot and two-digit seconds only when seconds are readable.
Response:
12.51
